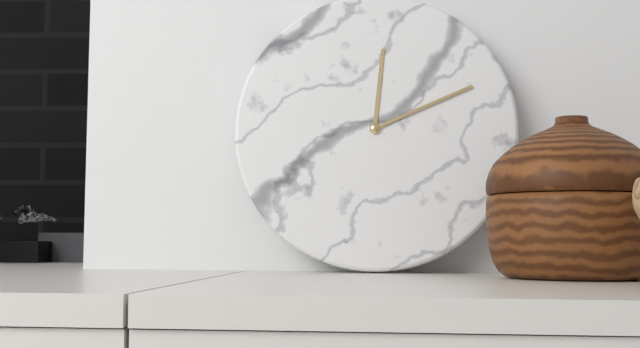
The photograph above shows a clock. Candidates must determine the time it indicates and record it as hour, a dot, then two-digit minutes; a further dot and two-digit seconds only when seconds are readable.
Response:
12.11
